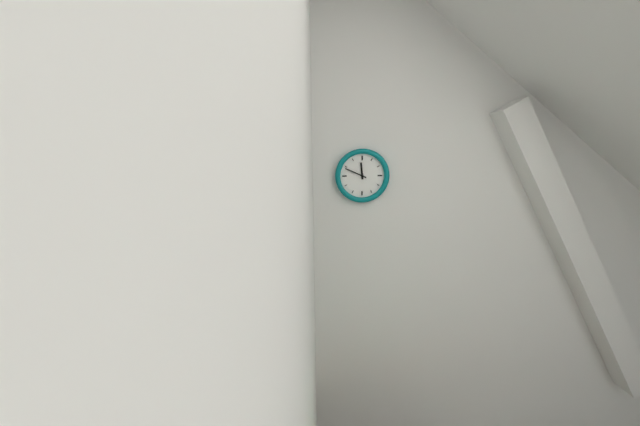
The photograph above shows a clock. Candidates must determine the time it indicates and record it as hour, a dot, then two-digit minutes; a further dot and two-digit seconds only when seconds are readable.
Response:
11.49
